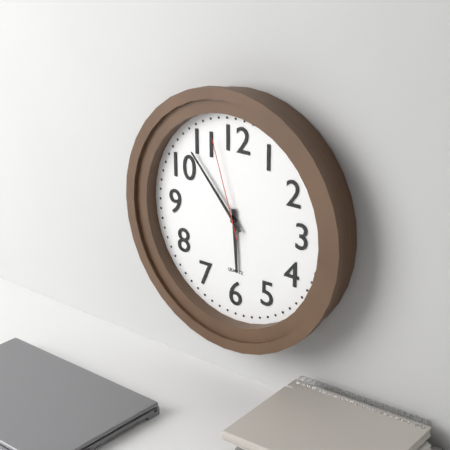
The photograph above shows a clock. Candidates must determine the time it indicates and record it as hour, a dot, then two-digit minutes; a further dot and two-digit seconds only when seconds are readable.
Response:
5.53.57
